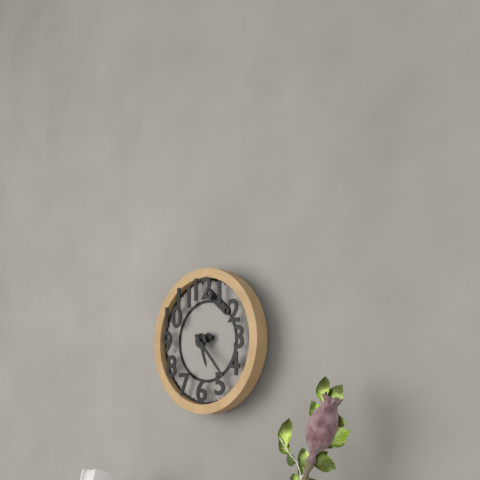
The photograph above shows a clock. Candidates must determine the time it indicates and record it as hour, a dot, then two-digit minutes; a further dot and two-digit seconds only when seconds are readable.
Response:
5.23
